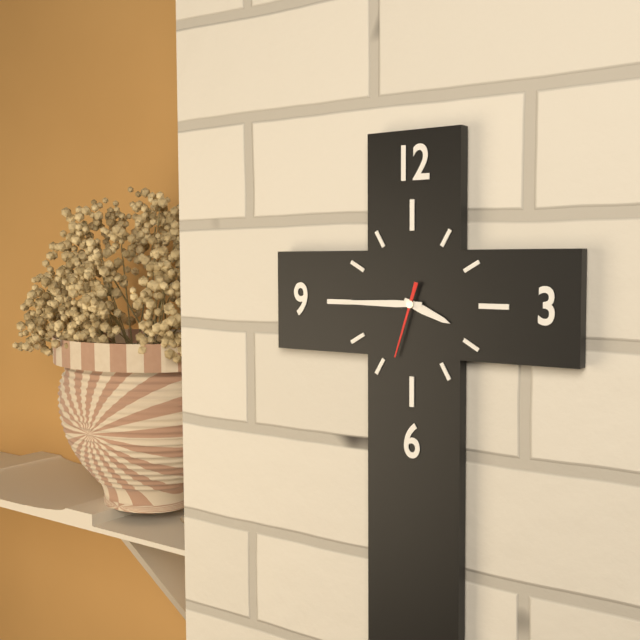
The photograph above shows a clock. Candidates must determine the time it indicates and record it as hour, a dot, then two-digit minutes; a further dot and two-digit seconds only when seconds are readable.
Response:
3.45.33
